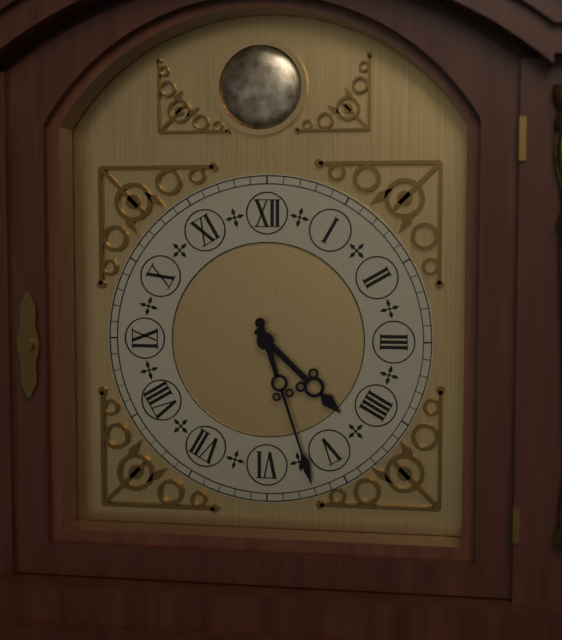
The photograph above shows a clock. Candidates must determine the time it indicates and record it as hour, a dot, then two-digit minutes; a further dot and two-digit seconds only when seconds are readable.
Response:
4.27
